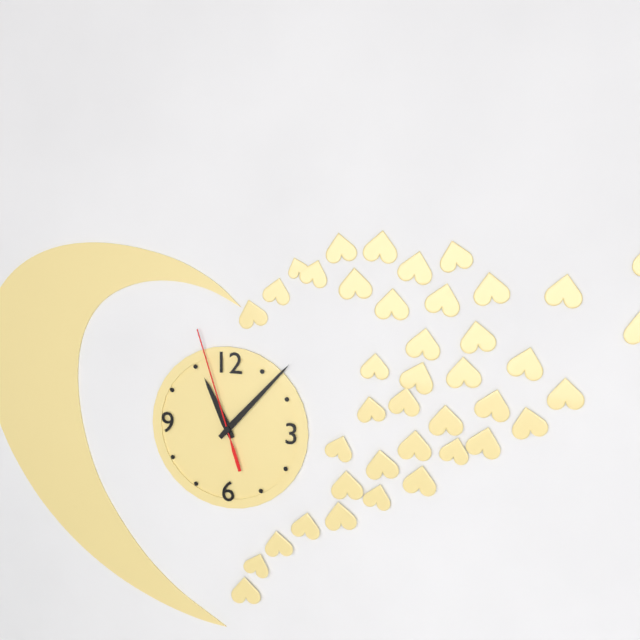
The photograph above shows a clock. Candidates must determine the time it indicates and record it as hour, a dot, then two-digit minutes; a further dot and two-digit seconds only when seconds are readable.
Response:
11.07.57
